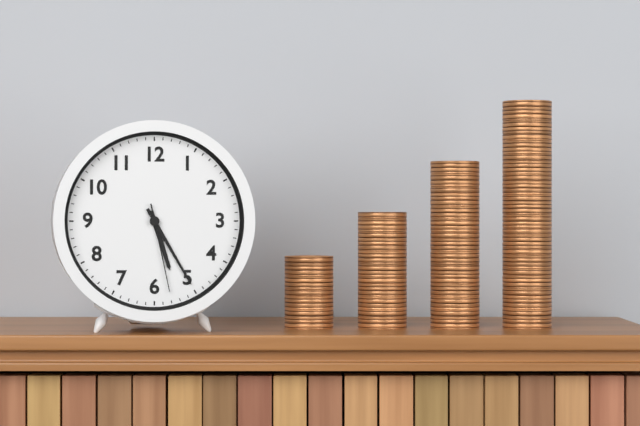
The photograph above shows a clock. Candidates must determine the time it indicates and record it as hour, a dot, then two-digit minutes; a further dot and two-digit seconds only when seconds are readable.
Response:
5.25.28
